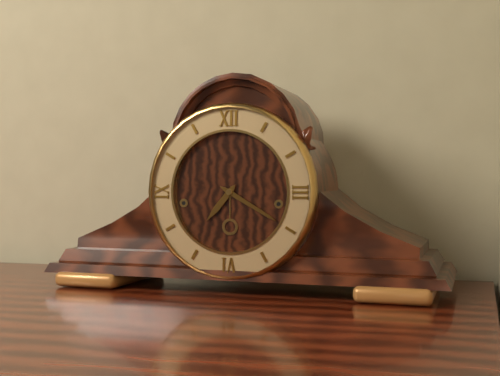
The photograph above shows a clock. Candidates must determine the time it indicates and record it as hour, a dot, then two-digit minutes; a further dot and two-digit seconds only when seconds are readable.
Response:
7.20
